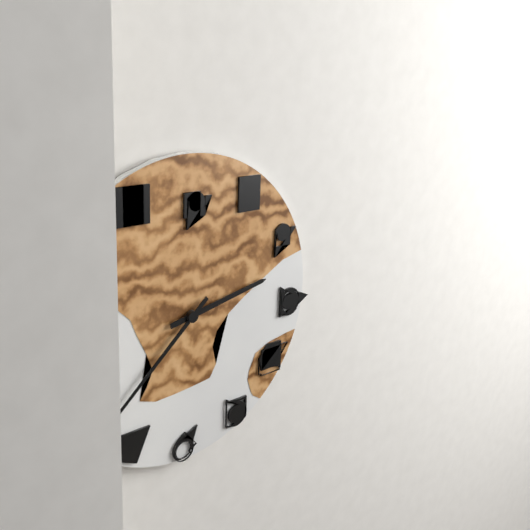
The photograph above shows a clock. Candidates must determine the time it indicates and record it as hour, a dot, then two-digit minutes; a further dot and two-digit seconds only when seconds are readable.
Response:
2.38
